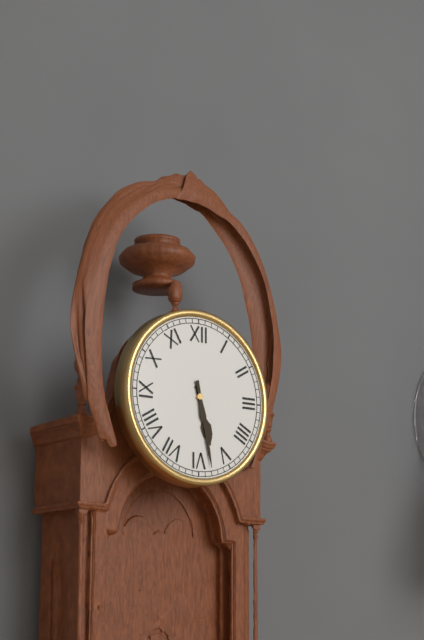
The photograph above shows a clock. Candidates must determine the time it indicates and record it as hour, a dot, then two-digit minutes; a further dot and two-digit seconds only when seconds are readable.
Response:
5.28
